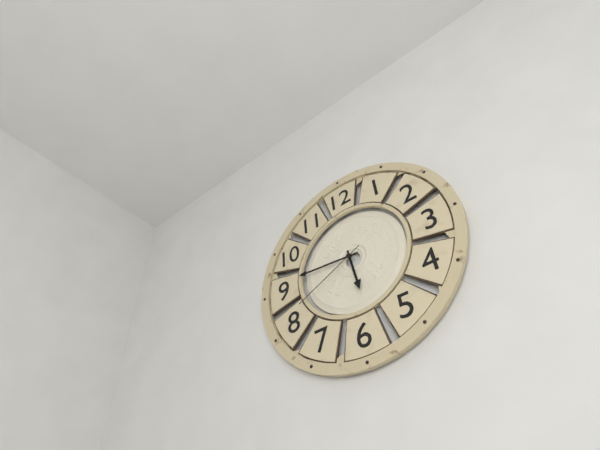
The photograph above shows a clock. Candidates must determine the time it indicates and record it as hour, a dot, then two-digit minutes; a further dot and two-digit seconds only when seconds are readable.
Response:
5.46.41
